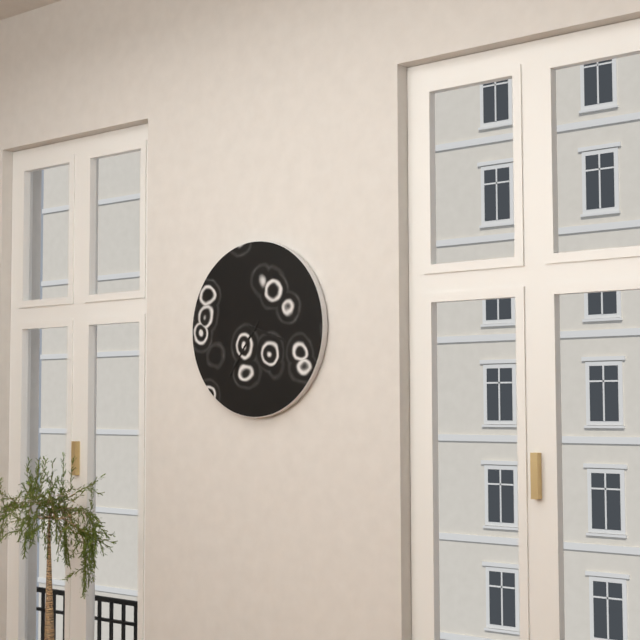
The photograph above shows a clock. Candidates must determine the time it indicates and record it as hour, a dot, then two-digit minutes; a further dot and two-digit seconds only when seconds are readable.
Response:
3.36
